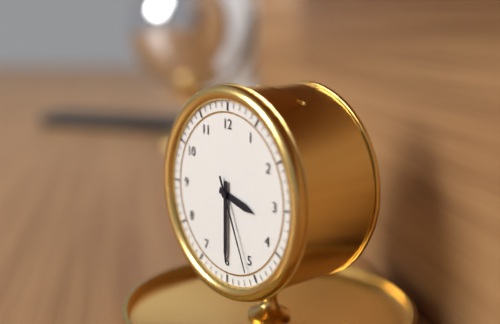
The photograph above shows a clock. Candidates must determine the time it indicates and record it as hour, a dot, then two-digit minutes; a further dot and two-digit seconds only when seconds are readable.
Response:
3.30.26
